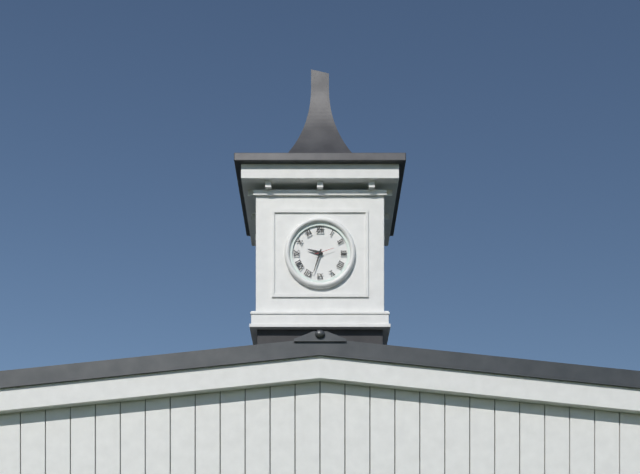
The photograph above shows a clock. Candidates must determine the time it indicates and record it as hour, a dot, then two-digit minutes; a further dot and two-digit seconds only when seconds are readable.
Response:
9.33
